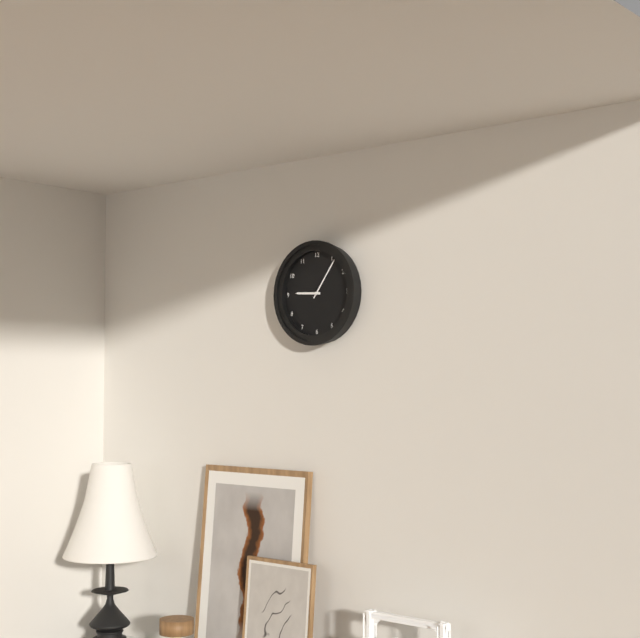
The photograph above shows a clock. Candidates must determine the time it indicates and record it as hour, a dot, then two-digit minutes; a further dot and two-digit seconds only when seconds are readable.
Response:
9.06
